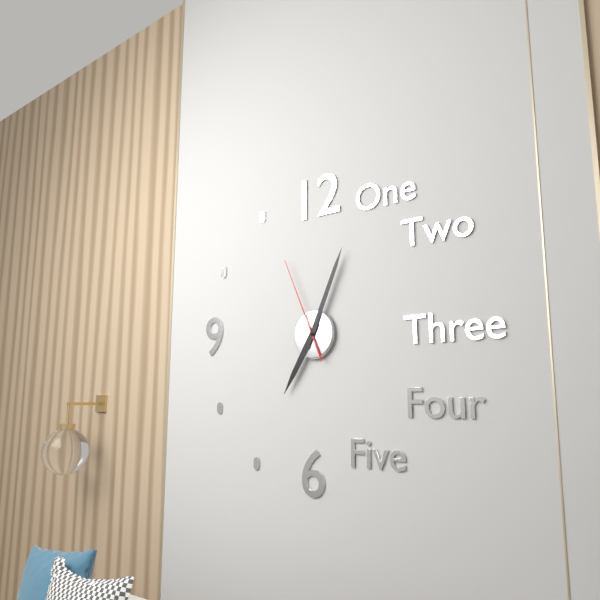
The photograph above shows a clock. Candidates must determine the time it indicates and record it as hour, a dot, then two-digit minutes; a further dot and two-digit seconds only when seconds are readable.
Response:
7.04.56
